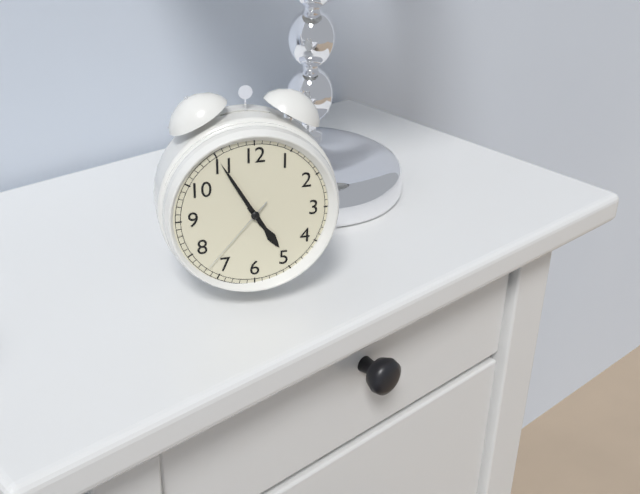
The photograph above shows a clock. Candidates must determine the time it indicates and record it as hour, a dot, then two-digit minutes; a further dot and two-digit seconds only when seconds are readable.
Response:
4.55.37
